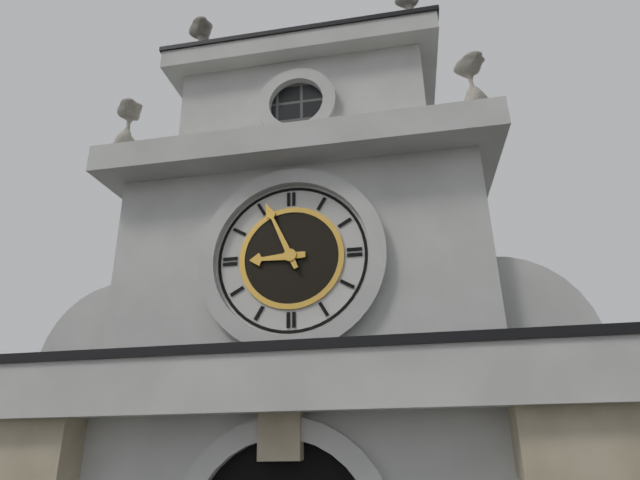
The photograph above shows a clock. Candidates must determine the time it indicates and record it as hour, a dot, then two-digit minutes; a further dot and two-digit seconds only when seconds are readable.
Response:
8.56
